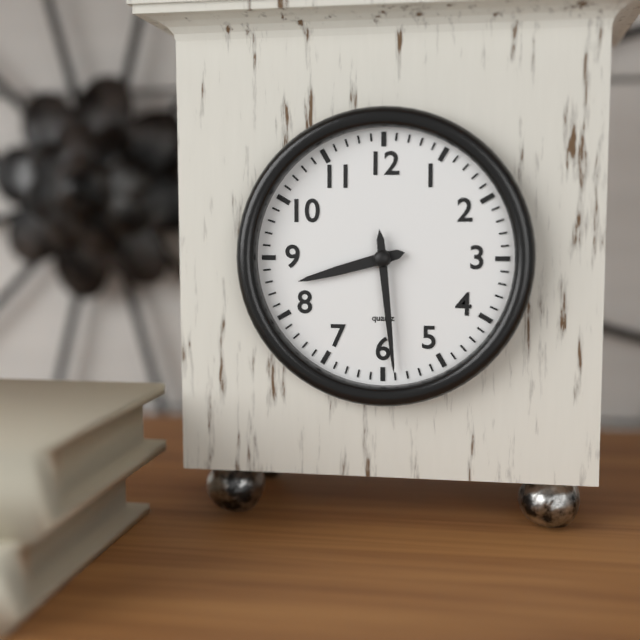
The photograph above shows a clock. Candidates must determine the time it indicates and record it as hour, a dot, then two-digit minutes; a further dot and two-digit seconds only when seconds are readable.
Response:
8.29
